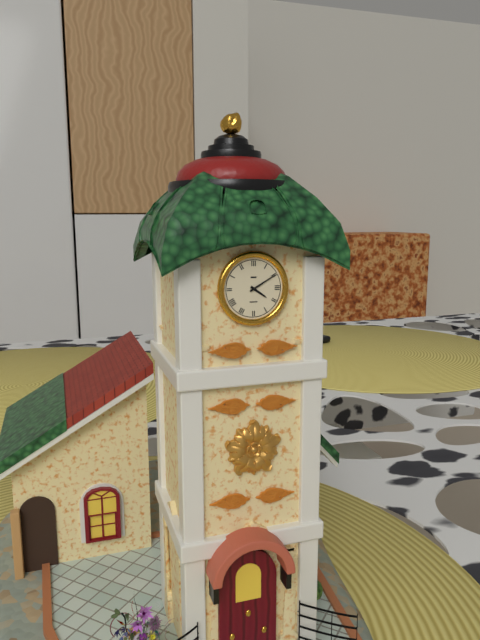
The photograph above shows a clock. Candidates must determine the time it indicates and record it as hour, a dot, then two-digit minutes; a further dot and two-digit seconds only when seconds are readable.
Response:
4.10
